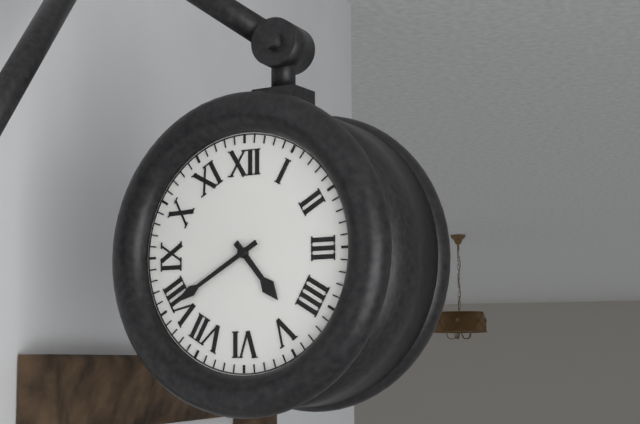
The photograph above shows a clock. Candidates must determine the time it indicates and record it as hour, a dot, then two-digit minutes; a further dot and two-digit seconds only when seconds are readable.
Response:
4.40
